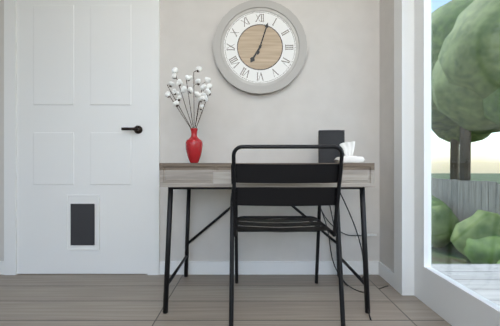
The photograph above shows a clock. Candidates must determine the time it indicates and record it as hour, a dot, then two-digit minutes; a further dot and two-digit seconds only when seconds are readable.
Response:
7.03
